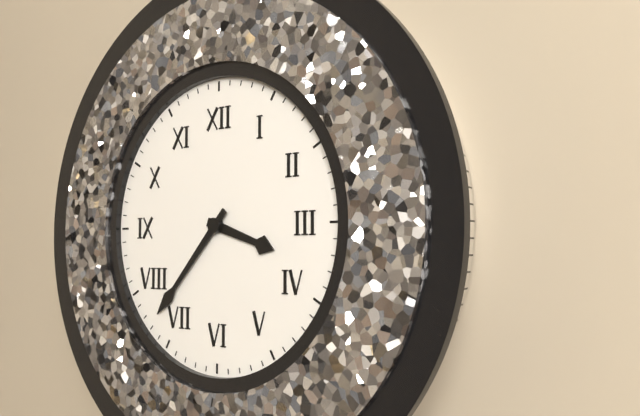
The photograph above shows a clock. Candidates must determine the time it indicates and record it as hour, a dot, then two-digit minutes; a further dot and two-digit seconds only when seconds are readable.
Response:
3.37
